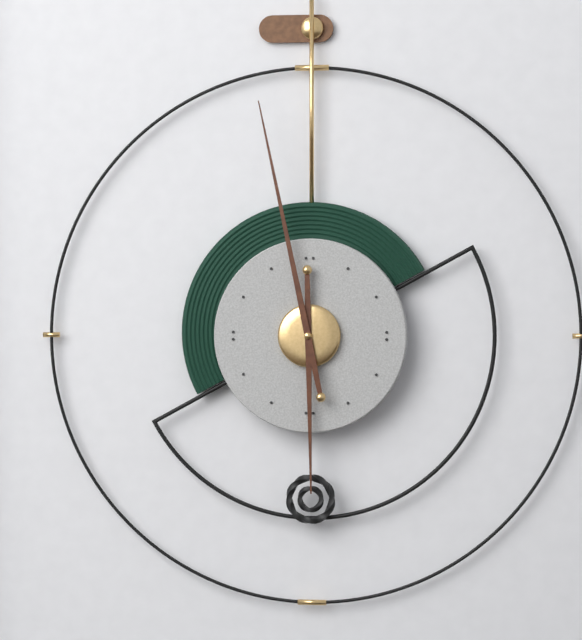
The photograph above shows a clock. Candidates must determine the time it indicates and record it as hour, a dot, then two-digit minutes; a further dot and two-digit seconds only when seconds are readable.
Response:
5.58
